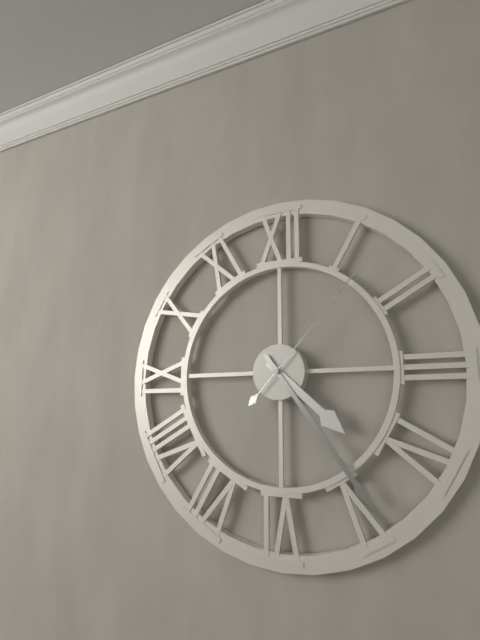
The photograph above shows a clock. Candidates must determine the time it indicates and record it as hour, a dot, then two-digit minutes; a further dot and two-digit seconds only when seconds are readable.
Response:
4.24.07
